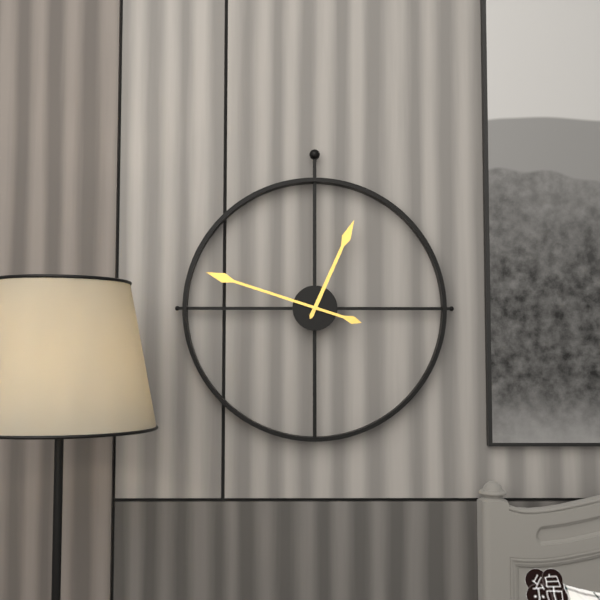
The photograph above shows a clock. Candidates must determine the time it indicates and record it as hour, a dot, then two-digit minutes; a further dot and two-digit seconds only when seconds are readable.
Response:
12.48
